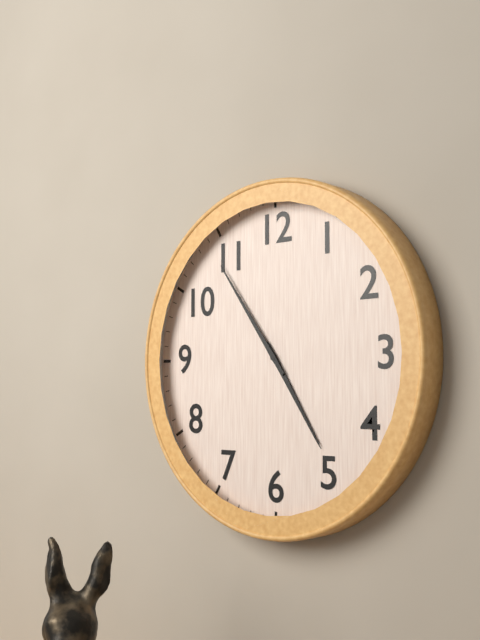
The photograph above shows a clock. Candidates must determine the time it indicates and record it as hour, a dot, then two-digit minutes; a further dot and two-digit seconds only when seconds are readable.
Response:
4.54
